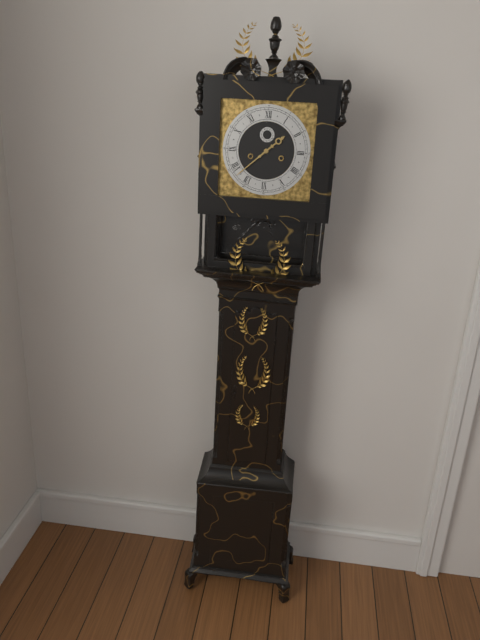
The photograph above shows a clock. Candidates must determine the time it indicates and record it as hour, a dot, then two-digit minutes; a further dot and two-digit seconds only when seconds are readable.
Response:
1.38
